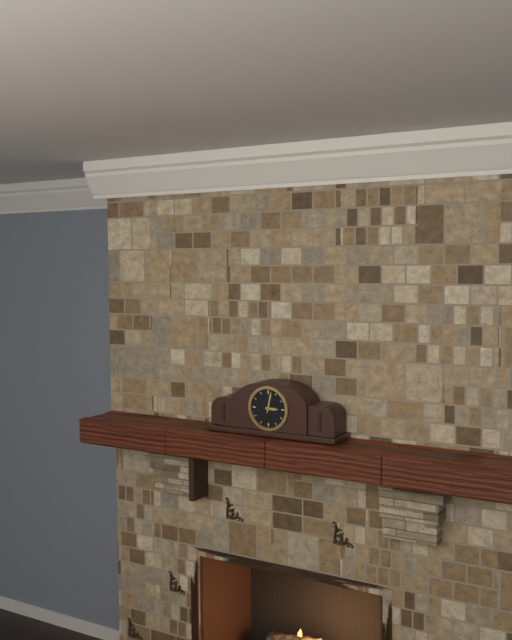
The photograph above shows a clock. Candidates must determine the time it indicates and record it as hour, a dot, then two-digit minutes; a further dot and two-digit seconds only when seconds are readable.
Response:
3.02
